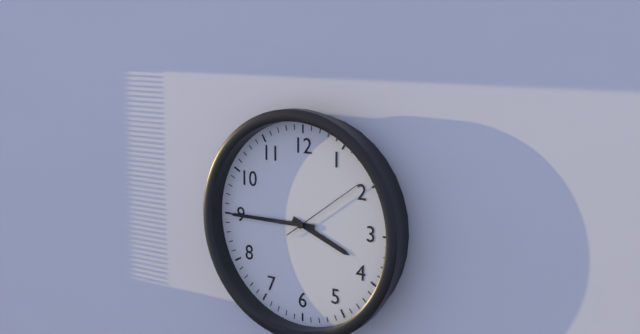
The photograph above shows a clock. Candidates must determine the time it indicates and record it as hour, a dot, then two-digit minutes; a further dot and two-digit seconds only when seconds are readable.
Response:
3.45.09
